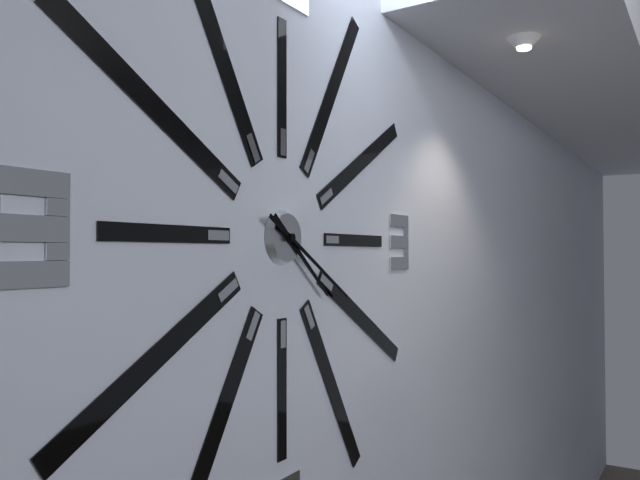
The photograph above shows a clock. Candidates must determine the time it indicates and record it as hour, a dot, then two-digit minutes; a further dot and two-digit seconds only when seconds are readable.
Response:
4.20
